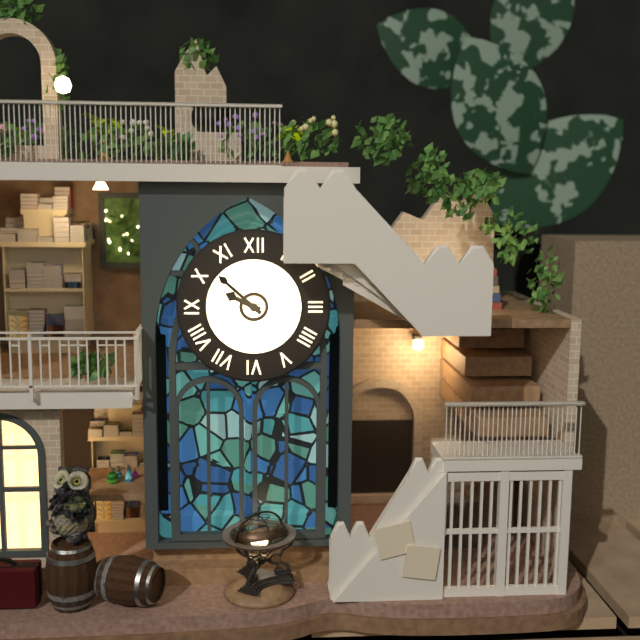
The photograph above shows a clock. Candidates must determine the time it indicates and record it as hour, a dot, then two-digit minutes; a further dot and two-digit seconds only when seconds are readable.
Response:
9.52
